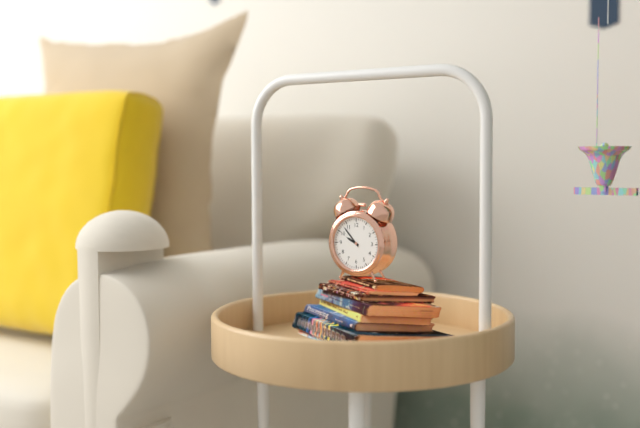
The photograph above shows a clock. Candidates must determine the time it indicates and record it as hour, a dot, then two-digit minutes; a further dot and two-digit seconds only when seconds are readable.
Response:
9.53
